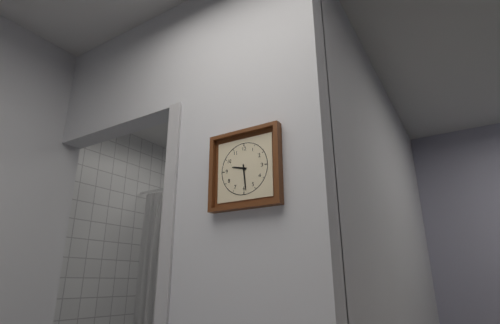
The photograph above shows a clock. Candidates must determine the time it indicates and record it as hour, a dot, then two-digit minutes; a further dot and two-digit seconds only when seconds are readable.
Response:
9.29
